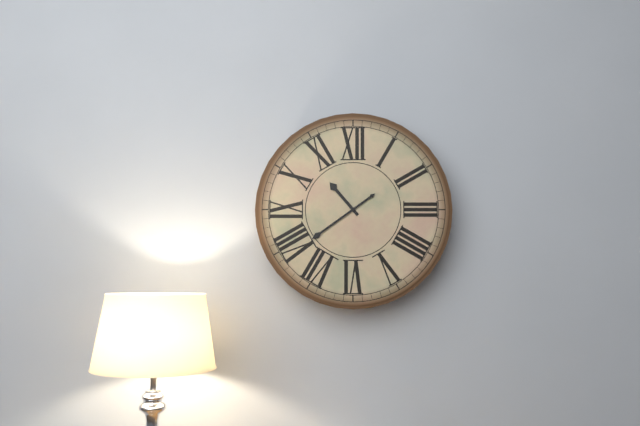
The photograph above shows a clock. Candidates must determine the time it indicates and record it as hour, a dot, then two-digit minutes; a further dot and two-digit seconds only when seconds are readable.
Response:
10.39
